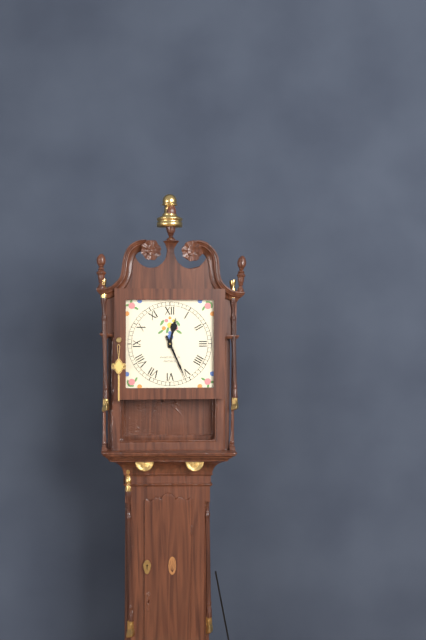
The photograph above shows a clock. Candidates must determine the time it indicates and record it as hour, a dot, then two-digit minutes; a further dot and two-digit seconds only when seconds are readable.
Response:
12.26
